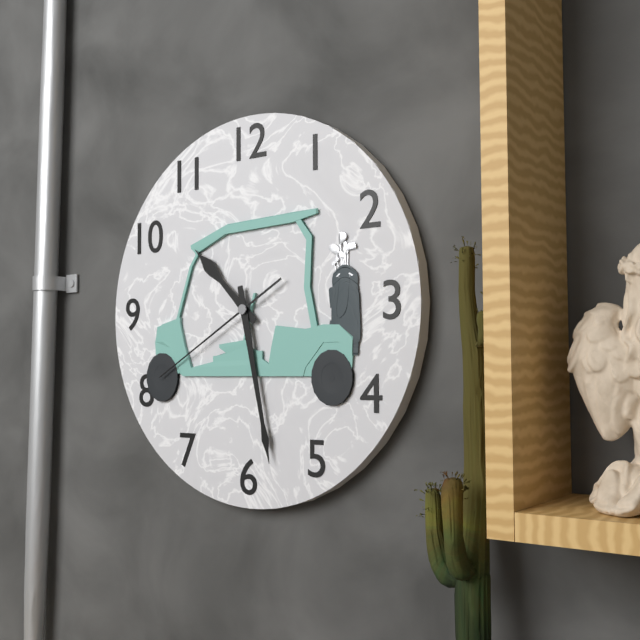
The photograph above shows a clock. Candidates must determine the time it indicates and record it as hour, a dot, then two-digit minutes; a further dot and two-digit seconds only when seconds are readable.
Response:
10.28.40
